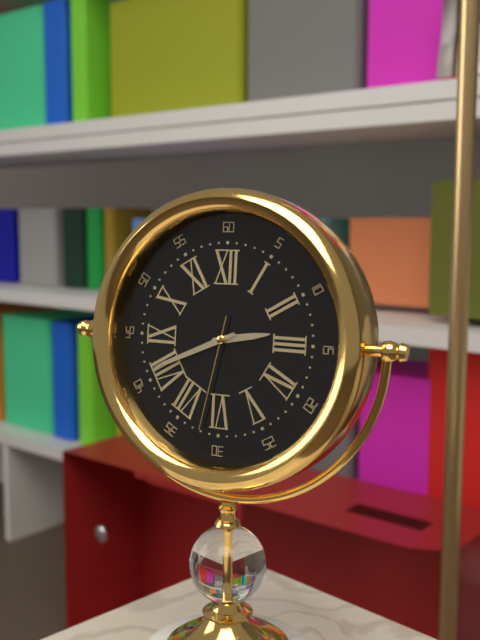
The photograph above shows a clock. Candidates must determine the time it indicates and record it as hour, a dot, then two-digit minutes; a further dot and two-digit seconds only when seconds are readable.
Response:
2.41.32
